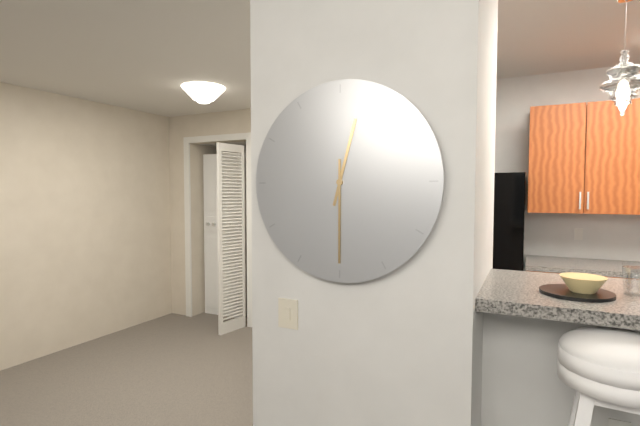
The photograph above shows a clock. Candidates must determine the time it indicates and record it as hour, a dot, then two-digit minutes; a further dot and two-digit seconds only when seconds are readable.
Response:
12.30
